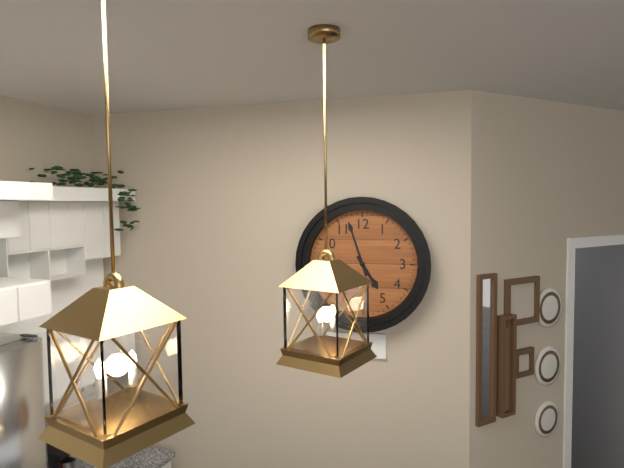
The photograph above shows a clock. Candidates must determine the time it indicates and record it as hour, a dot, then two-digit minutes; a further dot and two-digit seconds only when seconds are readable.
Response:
4.57
